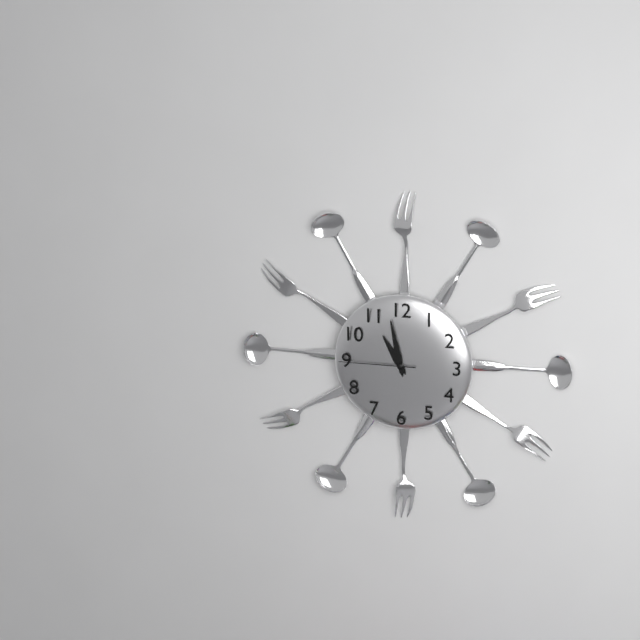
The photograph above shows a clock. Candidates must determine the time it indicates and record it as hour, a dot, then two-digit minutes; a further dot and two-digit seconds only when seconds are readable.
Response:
10.58.45
